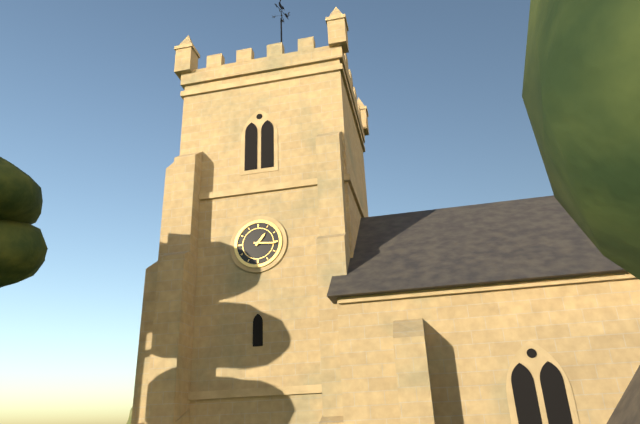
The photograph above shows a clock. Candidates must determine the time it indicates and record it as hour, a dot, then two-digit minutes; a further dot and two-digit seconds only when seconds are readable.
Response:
1.16
